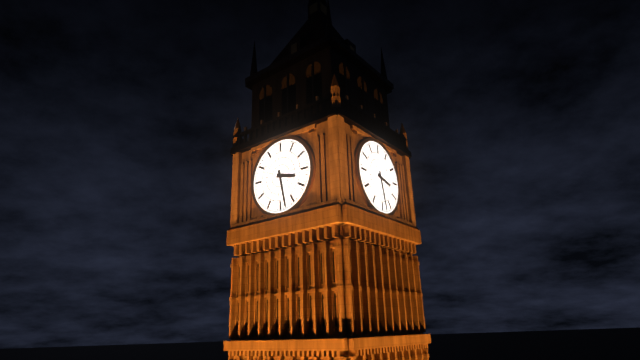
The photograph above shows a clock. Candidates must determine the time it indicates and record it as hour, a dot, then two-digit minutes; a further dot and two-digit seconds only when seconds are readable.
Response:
3.28
